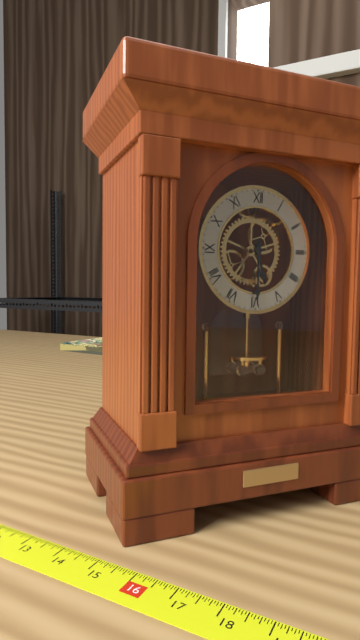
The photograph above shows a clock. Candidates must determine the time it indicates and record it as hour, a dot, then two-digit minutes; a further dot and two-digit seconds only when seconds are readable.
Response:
5.30
